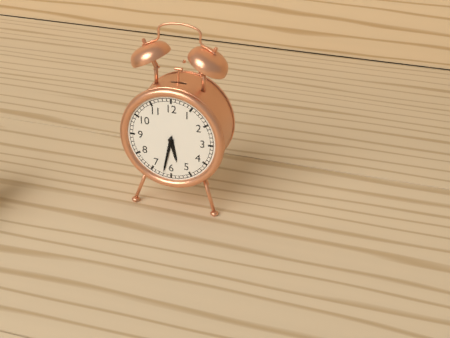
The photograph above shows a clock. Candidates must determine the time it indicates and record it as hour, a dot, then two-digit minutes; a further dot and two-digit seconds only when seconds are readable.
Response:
5.32
